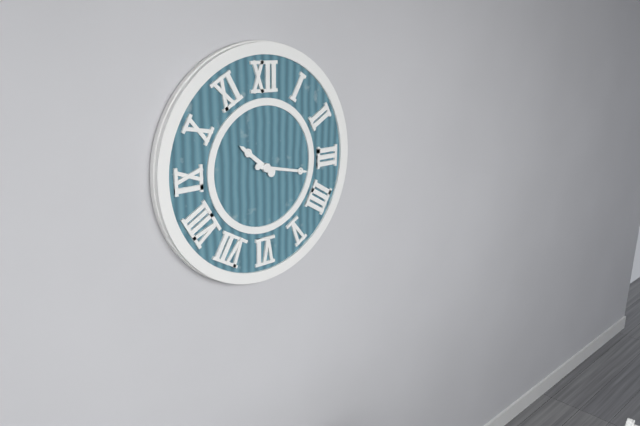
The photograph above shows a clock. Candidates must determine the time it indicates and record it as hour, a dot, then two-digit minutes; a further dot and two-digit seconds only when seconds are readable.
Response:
10.17
